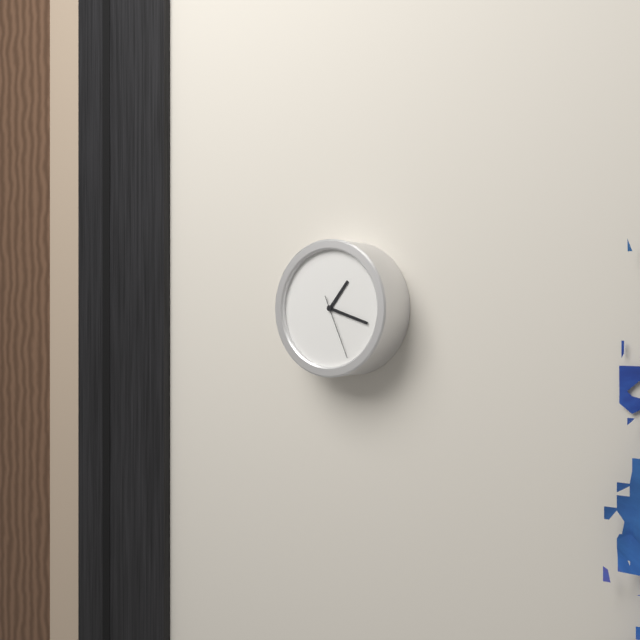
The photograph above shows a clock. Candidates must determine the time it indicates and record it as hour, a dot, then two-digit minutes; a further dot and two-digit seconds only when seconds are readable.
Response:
1.18.26
